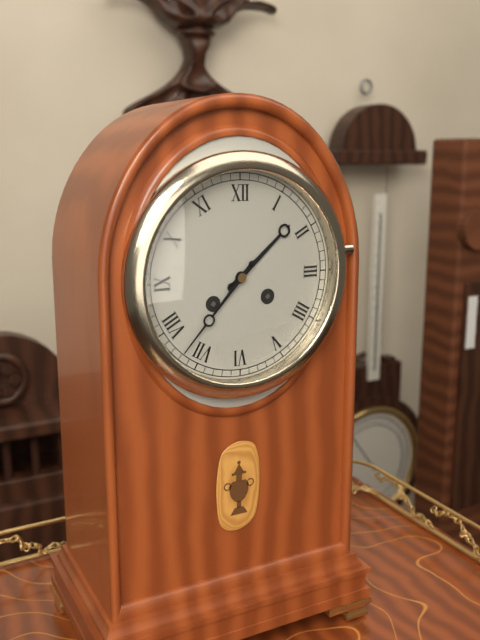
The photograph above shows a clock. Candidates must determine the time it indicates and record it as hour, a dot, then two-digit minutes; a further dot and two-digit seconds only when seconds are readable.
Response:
1.37
